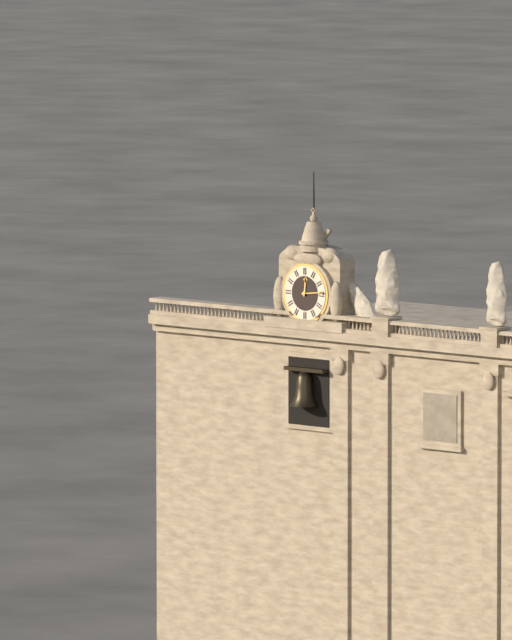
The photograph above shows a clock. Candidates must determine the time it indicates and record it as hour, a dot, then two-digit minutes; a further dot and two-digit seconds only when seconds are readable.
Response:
12.14
